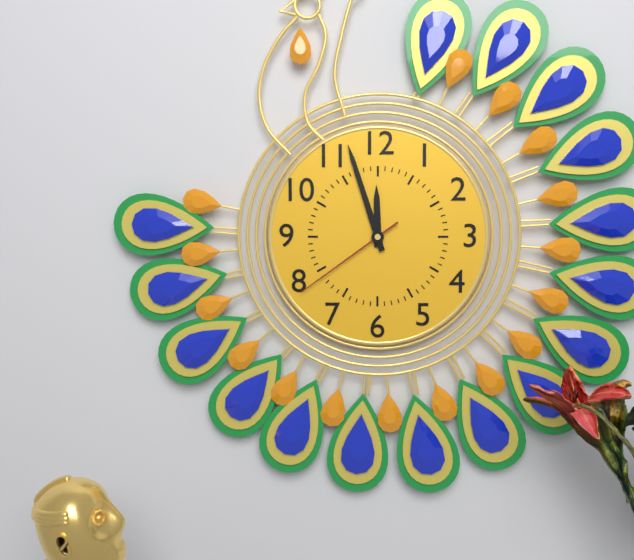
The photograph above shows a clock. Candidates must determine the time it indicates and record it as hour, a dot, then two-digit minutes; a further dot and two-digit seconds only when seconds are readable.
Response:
11.57.39
